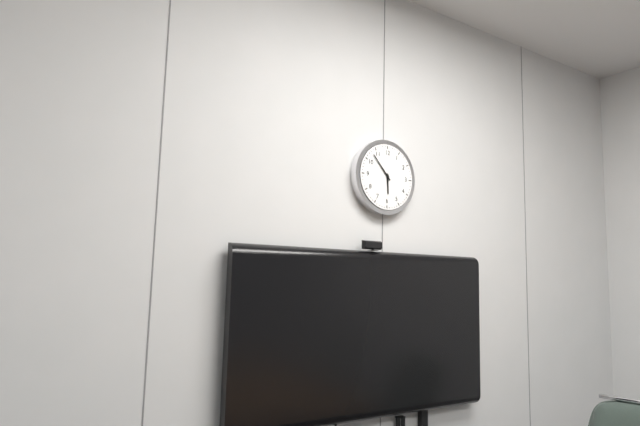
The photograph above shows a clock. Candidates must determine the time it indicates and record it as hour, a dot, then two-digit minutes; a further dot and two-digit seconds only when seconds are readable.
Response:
5.53
